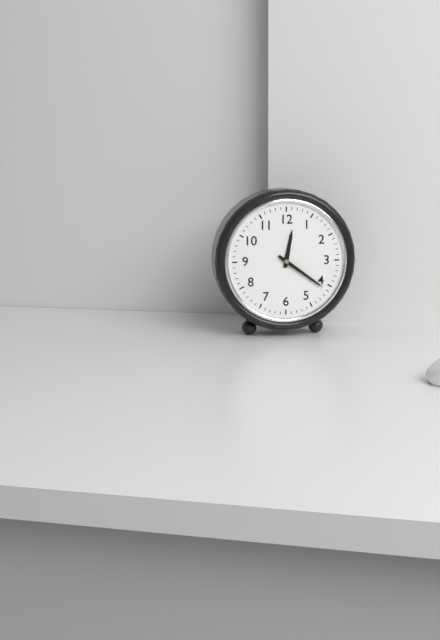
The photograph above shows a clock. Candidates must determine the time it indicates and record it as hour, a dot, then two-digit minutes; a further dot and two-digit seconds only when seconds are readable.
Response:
12.21
